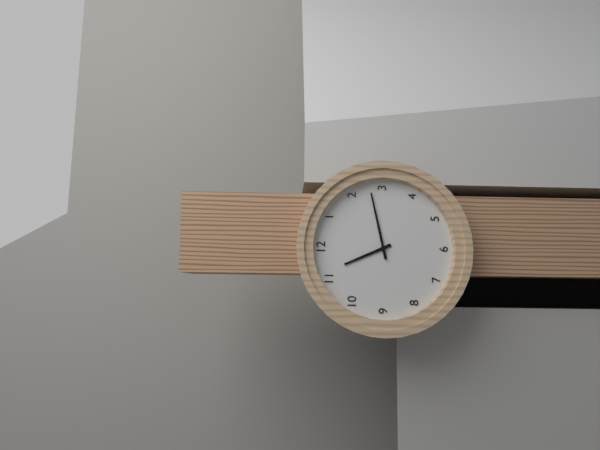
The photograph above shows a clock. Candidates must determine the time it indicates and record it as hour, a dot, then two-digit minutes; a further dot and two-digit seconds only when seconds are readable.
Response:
11.13
